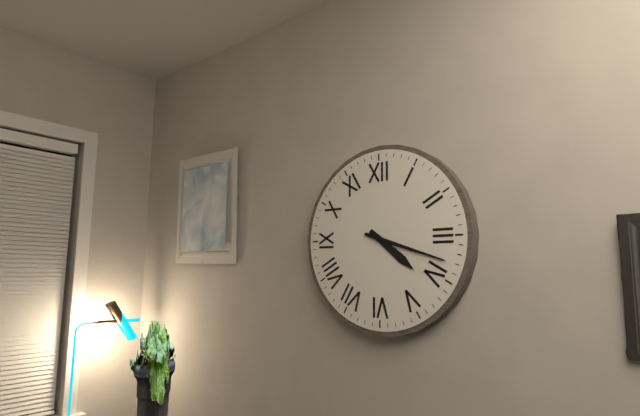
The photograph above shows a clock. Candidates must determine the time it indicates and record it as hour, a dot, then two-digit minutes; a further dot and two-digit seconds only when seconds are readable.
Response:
4.18
